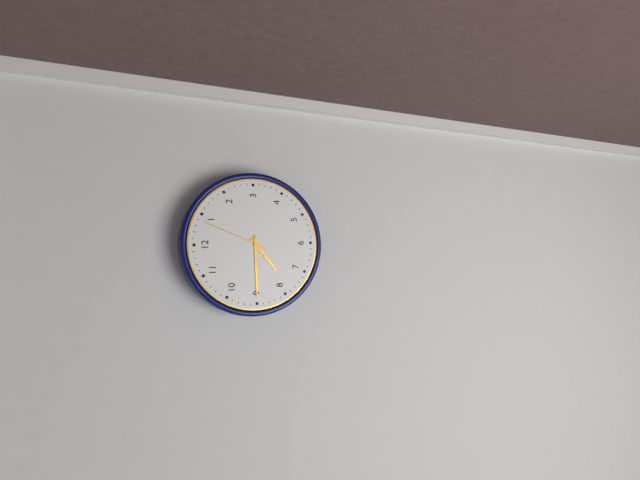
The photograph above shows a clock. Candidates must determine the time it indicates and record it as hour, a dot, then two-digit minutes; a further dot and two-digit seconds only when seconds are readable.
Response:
7.45.04
